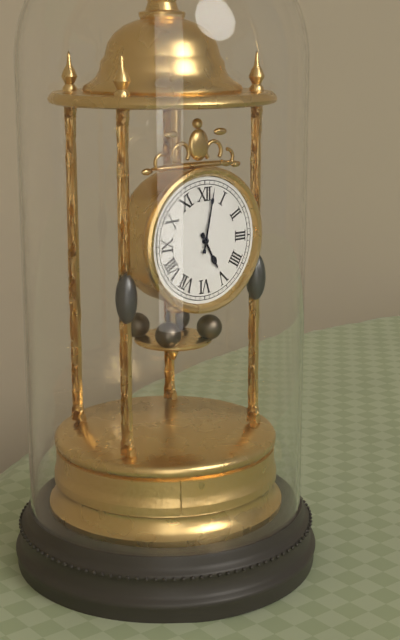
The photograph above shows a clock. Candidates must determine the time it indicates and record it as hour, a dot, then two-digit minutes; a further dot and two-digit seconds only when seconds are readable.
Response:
5.02
